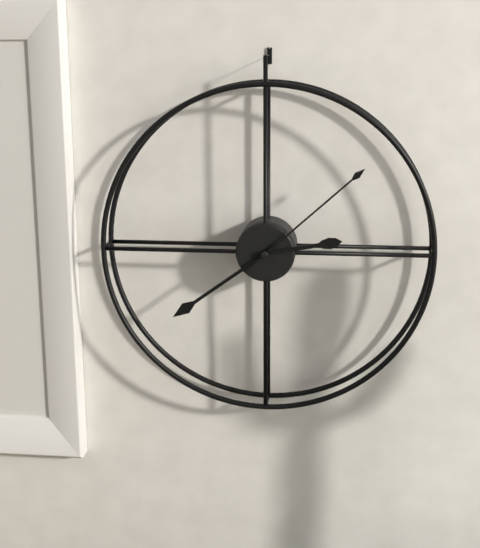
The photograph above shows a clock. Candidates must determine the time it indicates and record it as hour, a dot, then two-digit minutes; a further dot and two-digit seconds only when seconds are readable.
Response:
2.39.08
